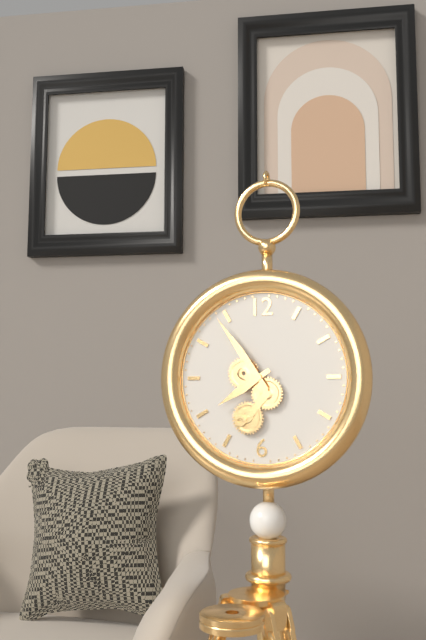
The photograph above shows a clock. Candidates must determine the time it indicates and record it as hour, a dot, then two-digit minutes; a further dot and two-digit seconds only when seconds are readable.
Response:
7.54
